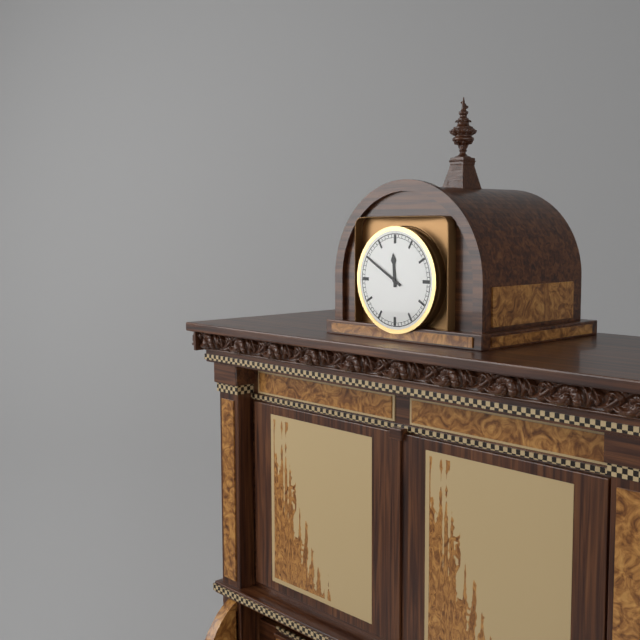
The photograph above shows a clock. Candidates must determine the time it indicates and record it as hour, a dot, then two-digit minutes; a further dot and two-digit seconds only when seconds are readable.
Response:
11.50
